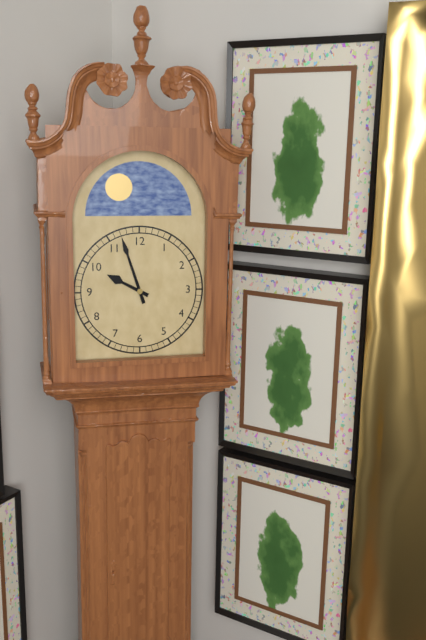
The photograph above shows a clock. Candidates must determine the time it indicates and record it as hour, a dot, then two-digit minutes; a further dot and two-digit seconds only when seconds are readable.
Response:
9.57
